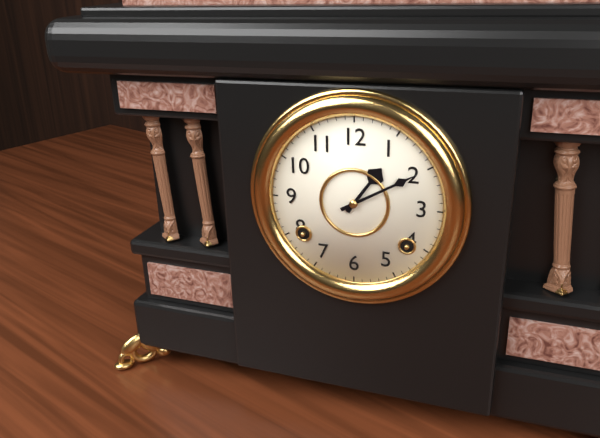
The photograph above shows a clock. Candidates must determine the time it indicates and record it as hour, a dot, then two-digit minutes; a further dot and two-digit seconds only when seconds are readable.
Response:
1.10
